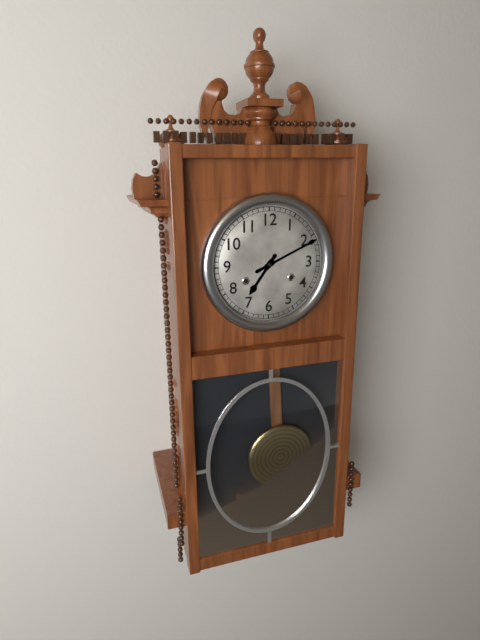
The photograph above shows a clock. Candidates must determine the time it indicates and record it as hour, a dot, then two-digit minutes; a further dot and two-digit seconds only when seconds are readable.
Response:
7.11
